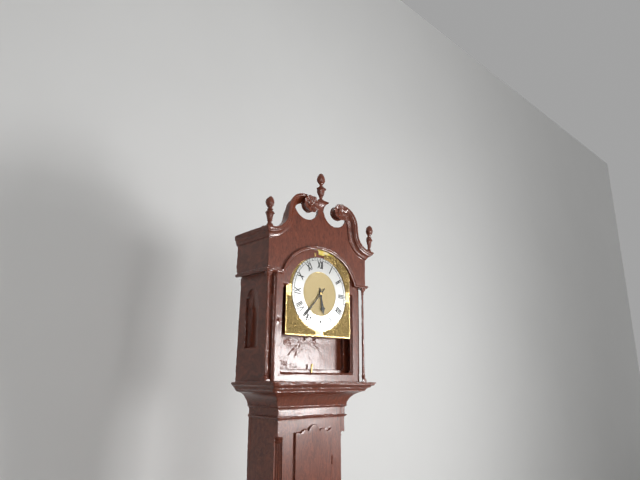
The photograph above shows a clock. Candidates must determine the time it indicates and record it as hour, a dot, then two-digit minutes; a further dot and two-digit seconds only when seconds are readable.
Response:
5.37
